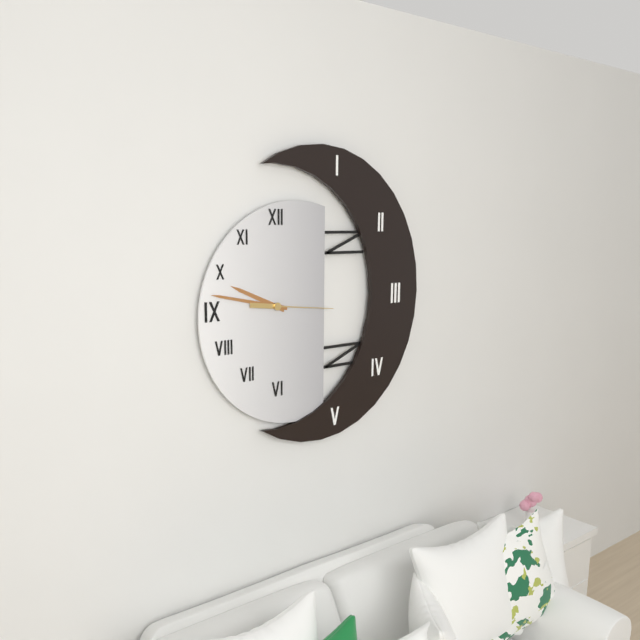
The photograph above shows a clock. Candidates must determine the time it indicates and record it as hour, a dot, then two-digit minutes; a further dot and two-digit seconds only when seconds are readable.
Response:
9.47.16
